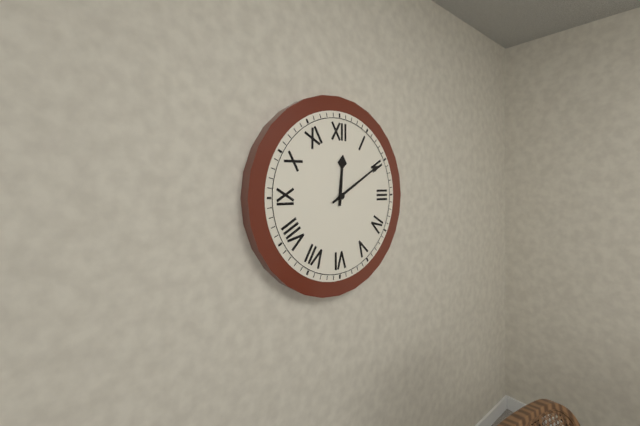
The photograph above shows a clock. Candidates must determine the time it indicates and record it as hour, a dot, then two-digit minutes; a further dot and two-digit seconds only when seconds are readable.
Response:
12.10
